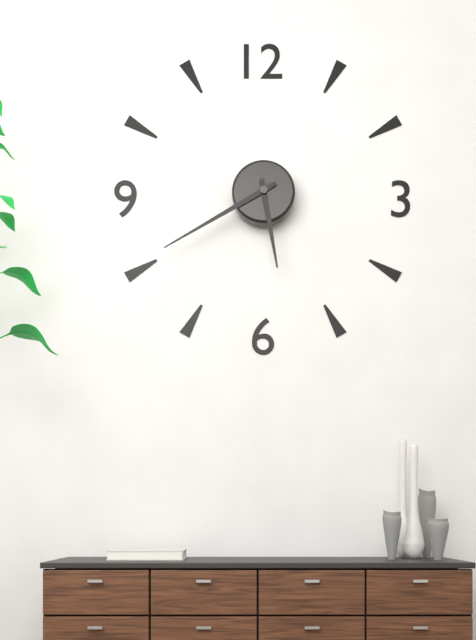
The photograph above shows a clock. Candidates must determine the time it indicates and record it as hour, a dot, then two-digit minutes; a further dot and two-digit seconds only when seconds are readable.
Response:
5.40
